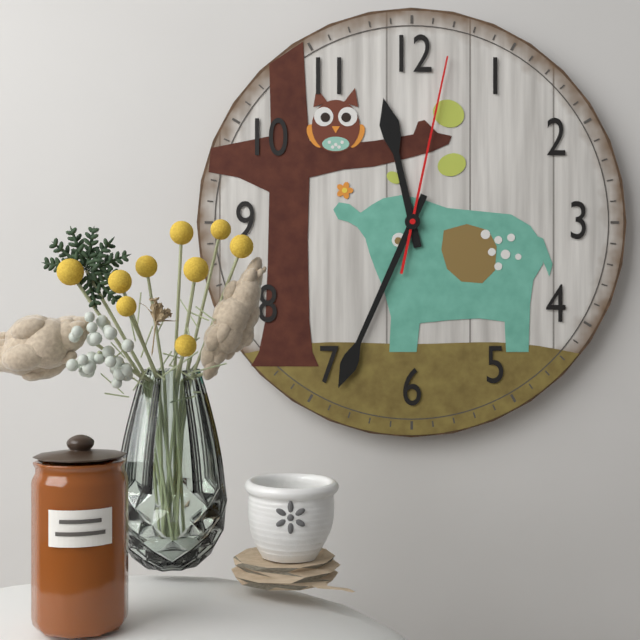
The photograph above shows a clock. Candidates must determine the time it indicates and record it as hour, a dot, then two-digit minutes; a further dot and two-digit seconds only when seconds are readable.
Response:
11.34.02
